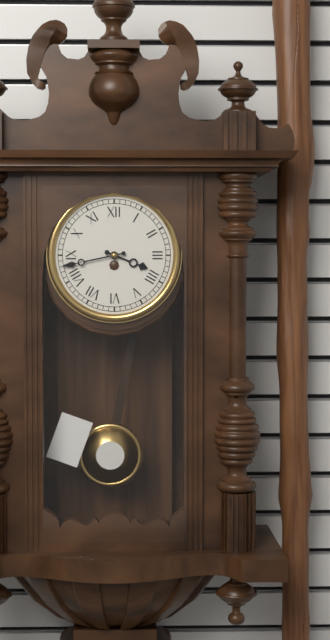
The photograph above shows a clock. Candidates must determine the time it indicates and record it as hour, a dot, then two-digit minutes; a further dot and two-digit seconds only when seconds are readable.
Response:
3.43
